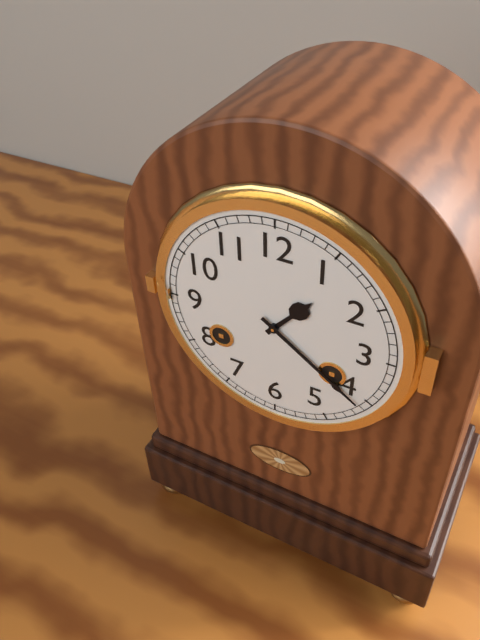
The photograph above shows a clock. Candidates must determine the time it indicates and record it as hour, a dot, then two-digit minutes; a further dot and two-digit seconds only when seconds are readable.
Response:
1.21
